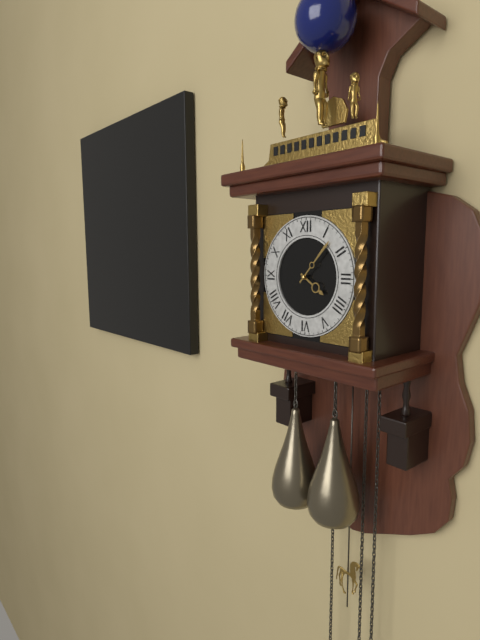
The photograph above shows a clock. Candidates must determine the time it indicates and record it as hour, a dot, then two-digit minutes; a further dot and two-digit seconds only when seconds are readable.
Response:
4.07
